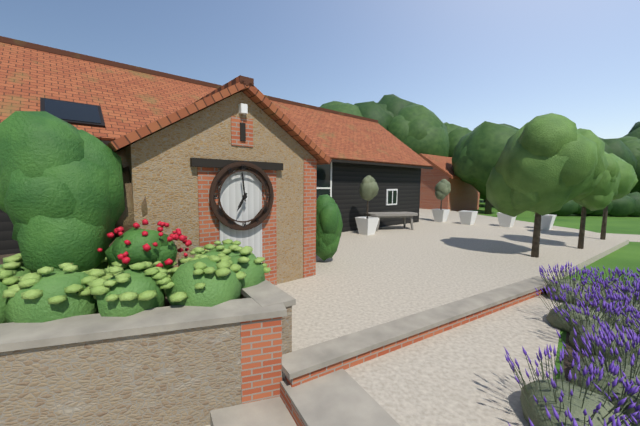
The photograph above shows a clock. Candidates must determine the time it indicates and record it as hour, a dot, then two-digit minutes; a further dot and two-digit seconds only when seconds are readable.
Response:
6.59
